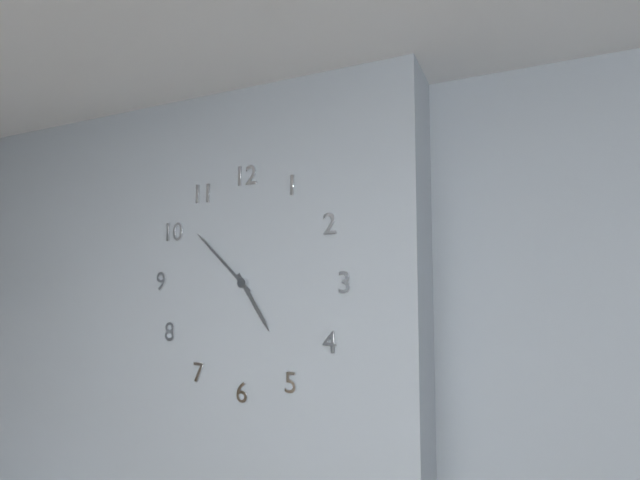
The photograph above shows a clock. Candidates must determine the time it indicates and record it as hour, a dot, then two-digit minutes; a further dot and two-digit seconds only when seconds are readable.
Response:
4.52
